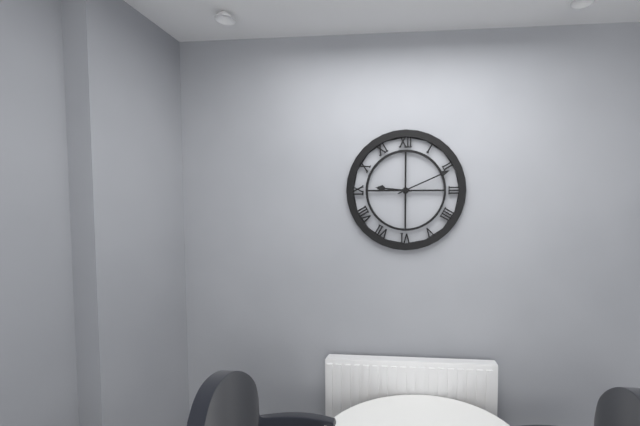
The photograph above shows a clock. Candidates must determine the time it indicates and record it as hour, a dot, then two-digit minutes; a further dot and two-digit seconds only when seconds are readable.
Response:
9.11
